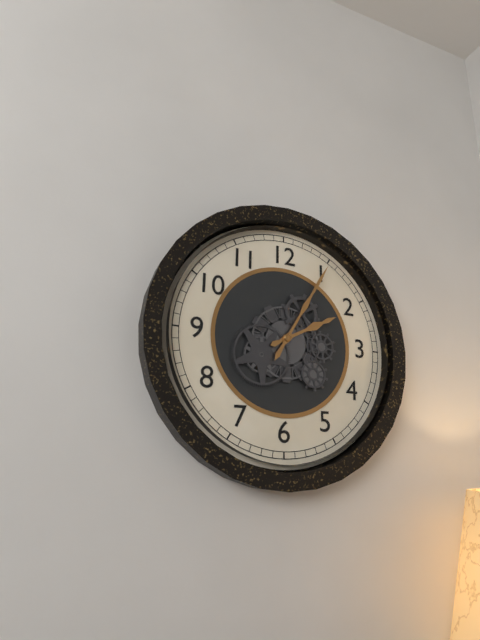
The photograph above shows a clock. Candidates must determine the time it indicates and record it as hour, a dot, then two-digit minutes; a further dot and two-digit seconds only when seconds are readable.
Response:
2.05
